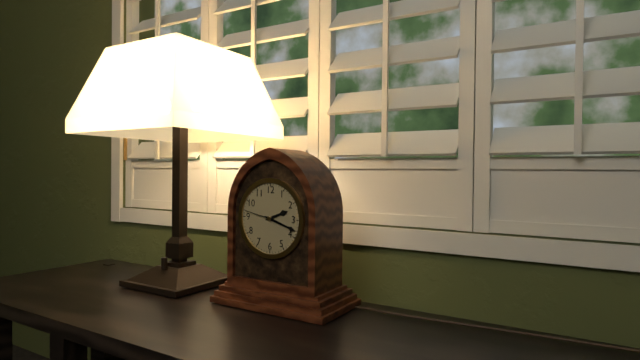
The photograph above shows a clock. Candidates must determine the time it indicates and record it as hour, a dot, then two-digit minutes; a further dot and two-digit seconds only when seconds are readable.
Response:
2.18
